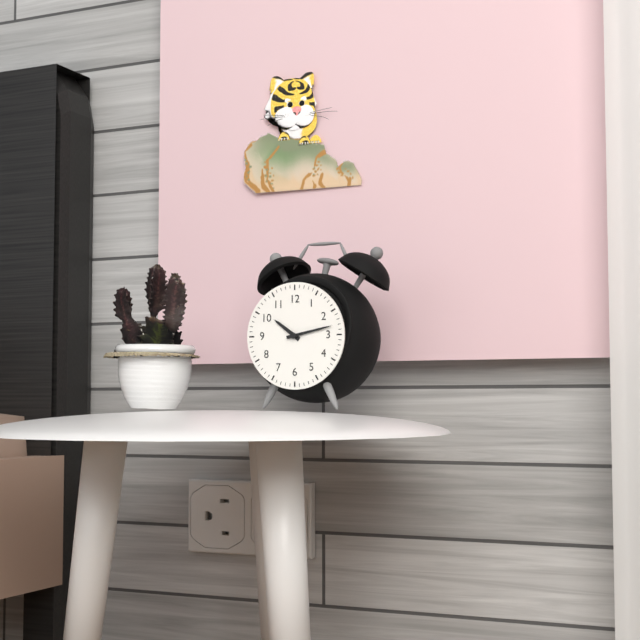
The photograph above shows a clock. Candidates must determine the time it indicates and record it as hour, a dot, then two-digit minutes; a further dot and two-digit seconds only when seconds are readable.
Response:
10.13
